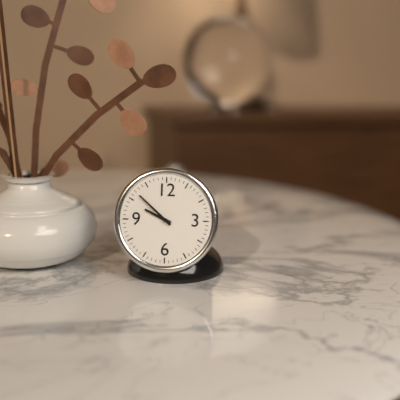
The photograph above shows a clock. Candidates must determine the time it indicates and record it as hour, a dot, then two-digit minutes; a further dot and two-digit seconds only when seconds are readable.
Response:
9.52
